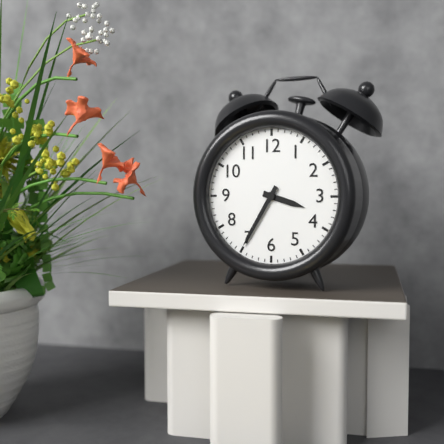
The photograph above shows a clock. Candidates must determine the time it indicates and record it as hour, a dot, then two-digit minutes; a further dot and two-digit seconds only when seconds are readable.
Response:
3.35
